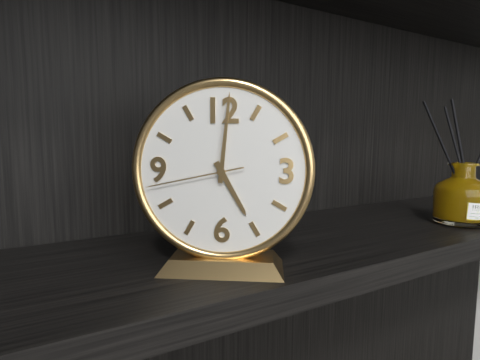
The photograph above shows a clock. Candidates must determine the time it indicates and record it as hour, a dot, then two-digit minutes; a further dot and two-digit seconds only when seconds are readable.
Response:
5.01.43
